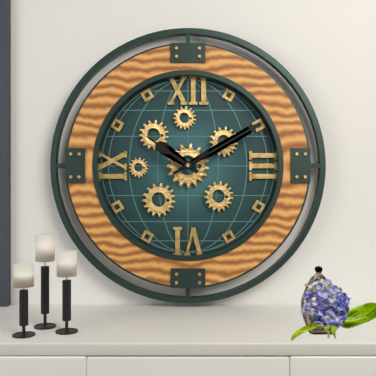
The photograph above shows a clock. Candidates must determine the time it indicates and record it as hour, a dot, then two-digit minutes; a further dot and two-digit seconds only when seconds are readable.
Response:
10.10
